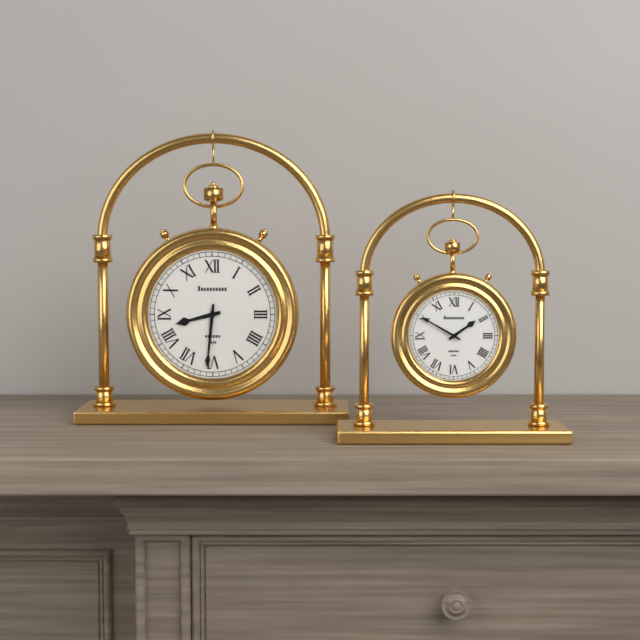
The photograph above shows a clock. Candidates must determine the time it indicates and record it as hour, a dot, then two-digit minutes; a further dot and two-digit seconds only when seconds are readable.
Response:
8.31
